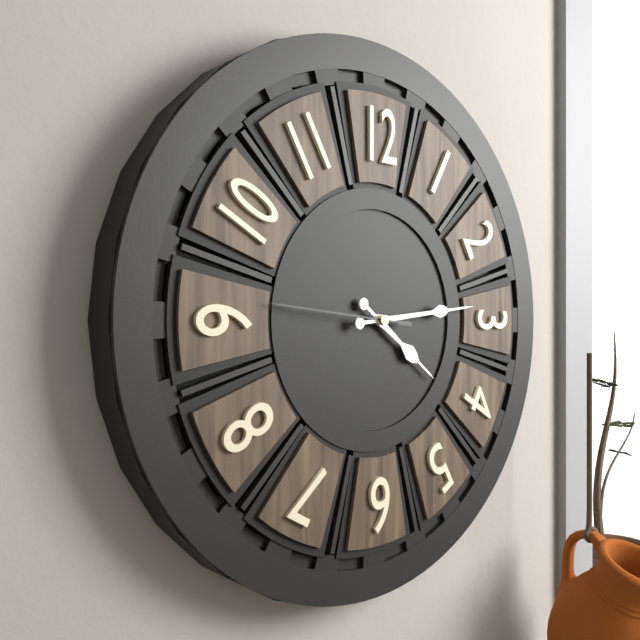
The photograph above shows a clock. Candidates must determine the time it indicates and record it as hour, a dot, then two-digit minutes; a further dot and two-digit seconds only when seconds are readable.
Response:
4.14.46
